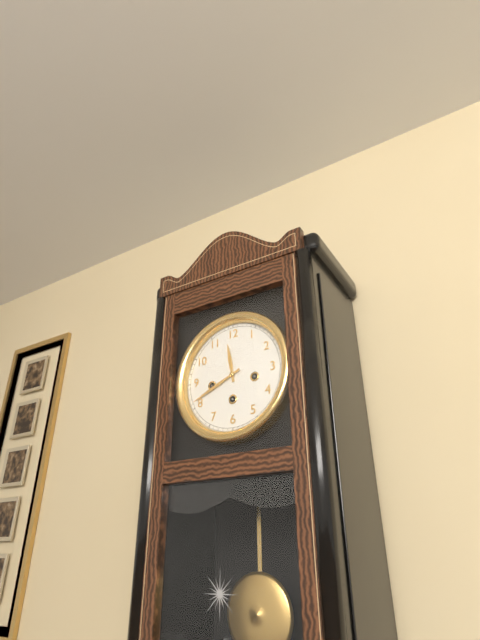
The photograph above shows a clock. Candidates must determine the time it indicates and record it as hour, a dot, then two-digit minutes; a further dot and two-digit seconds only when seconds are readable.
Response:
11.41
